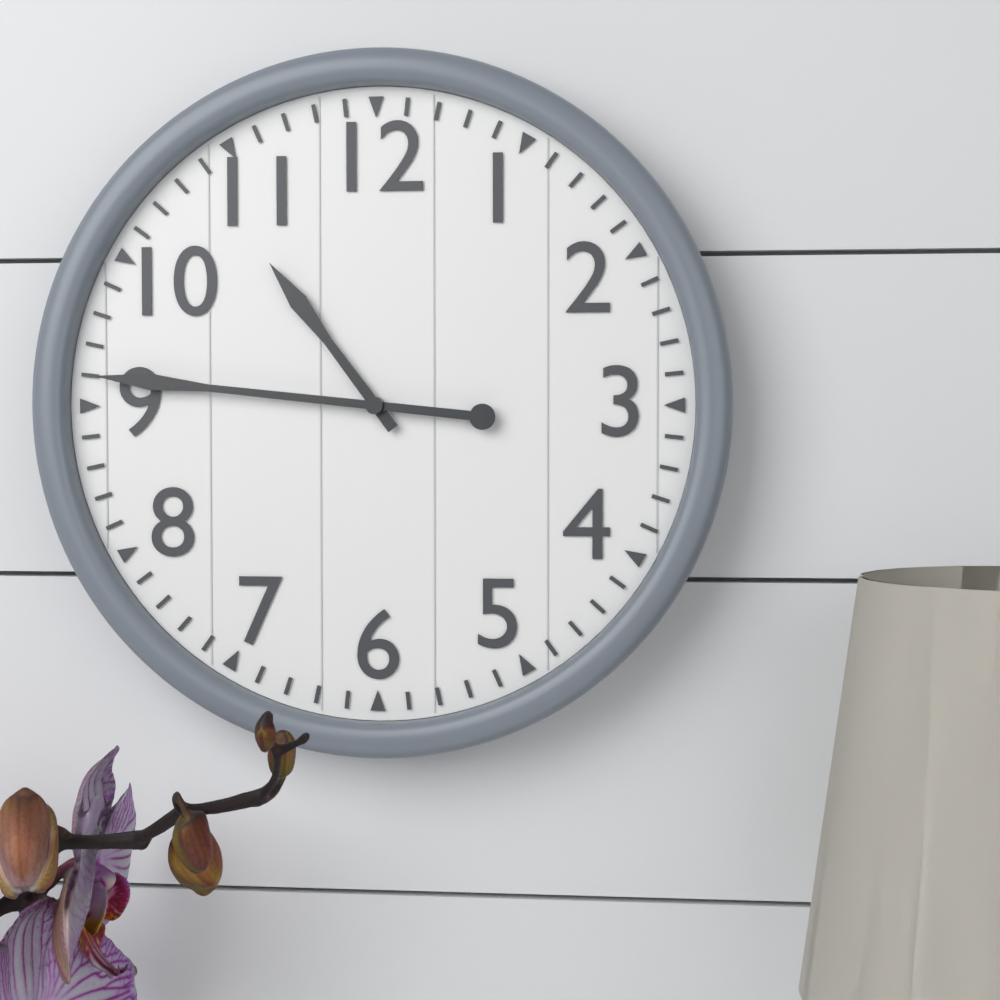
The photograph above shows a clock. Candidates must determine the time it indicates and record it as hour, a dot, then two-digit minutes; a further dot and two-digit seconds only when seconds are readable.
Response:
10.46
